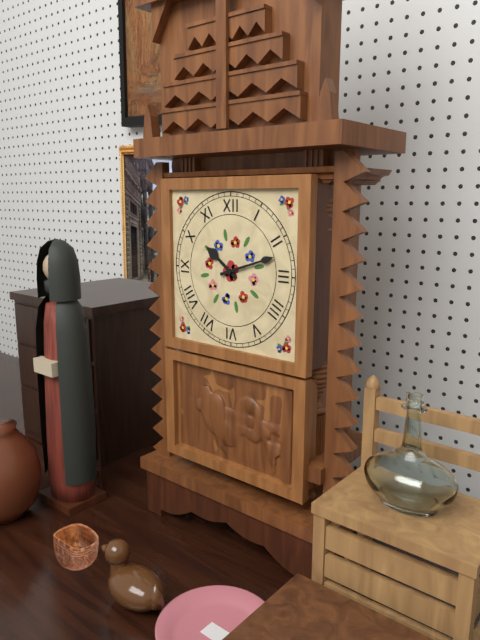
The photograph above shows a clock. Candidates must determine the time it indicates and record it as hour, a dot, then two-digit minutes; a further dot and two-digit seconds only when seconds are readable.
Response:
10.12
